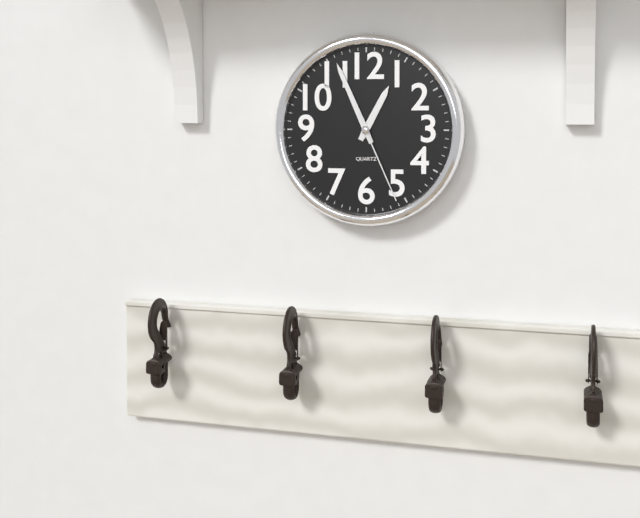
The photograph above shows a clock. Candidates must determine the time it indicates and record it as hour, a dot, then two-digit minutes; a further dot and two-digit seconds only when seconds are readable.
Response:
12.56.26
